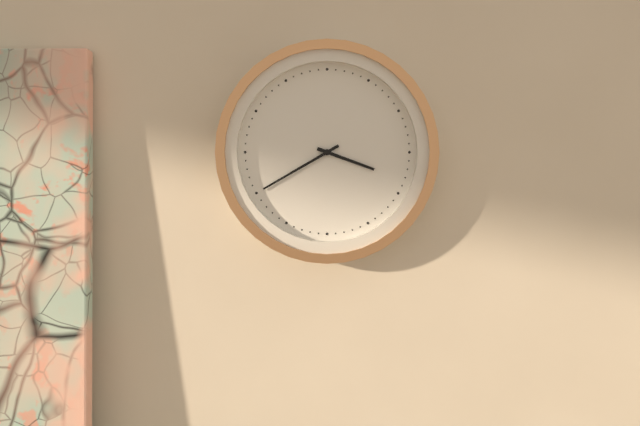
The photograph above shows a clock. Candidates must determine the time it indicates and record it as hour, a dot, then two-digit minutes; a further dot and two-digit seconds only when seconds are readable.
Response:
3.40
